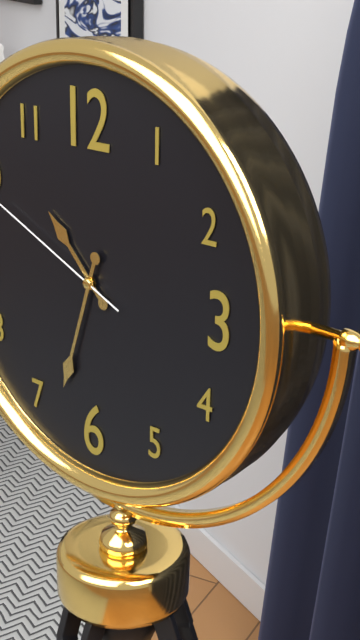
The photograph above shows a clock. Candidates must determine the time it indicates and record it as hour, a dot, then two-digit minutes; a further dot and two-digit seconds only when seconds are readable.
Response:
10.33.49
